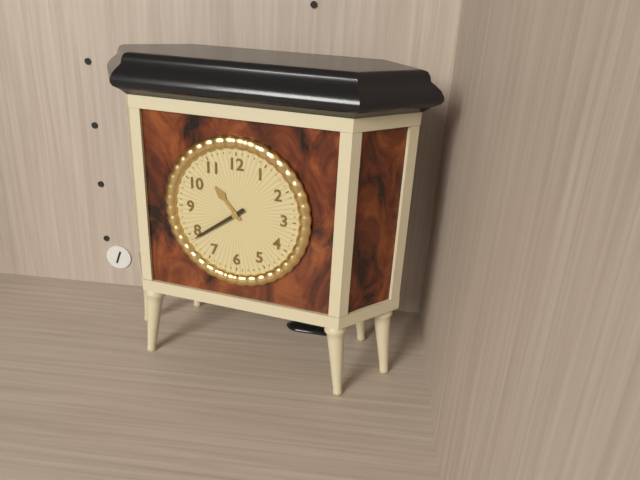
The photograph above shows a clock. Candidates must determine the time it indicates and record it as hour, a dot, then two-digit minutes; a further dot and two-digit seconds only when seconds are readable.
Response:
10.39
